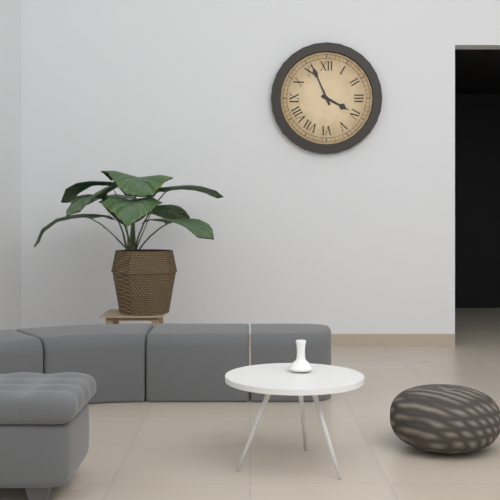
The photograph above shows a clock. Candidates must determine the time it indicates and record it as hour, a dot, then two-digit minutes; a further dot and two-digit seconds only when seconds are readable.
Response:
3.56
